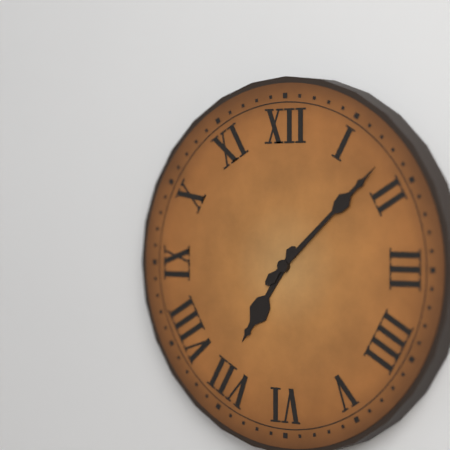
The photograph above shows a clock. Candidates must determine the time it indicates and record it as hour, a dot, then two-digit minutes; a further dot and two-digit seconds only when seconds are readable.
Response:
7.08
